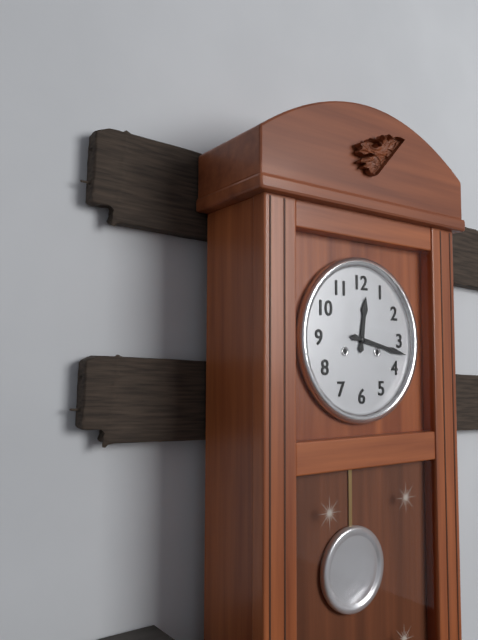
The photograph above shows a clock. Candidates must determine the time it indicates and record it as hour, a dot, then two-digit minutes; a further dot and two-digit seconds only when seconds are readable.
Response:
12.17
